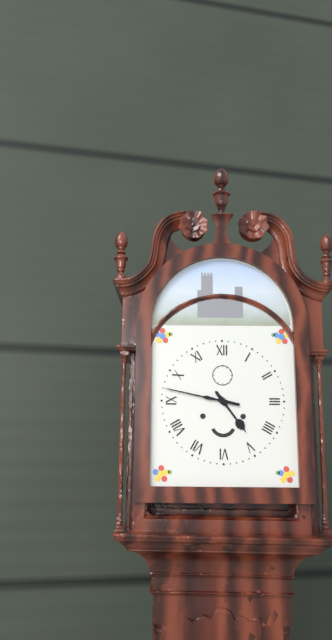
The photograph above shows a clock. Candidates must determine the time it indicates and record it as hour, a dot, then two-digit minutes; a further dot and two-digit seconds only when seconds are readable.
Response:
4.47
